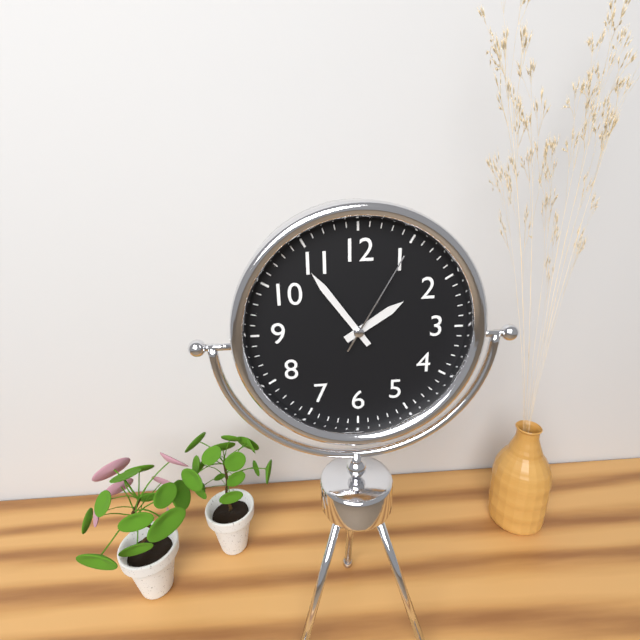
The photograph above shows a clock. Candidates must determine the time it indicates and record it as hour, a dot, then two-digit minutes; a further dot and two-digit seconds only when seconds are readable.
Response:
1.54.05
